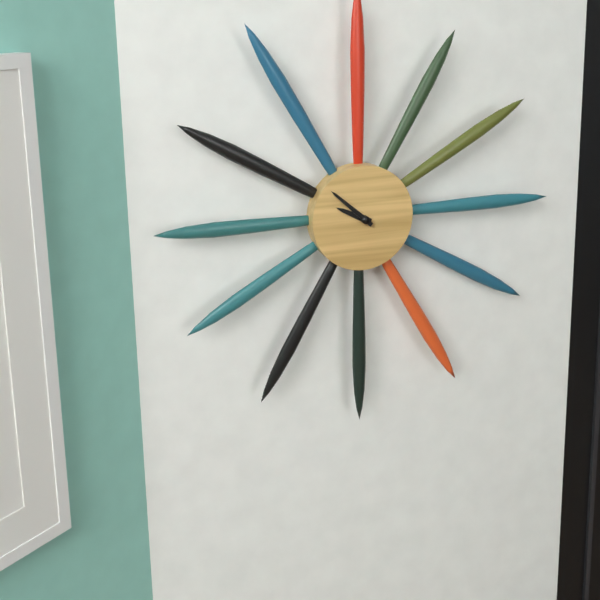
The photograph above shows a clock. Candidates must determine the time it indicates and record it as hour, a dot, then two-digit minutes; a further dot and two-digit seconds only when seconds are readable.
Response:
9.52
